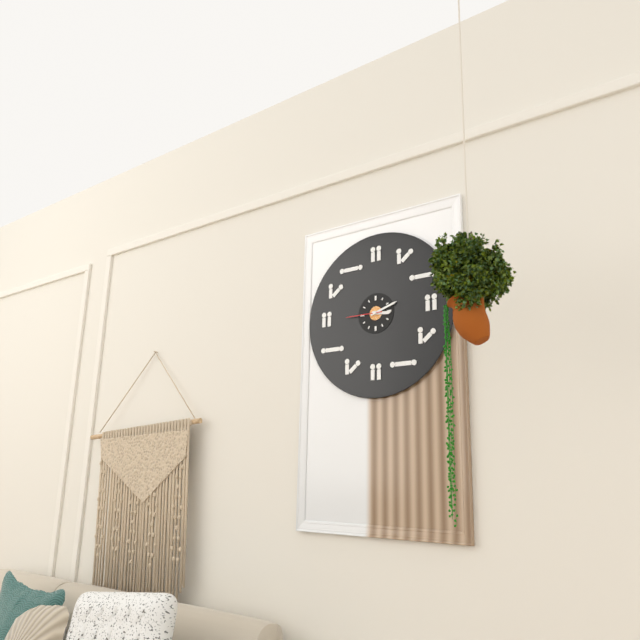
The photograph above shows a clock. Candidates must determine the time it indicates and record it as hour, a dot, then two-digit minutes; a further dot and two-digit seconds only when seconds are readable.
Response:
3.12
